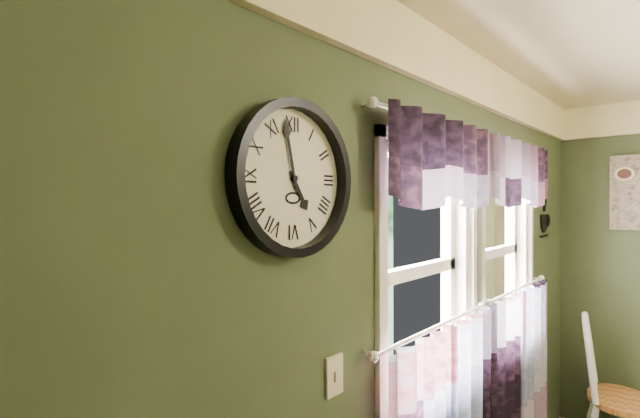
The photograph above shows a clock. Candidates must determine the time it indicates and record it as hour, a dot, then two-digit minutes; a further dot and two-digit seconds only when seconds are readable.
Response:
4.58
